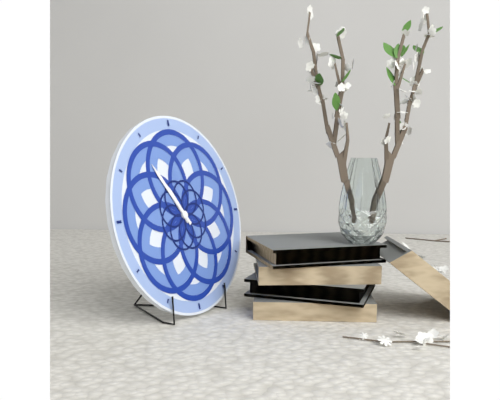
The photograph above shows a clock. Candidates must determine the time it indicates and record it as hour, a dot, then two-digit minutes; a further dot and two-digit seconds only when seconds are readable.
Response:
10.54
